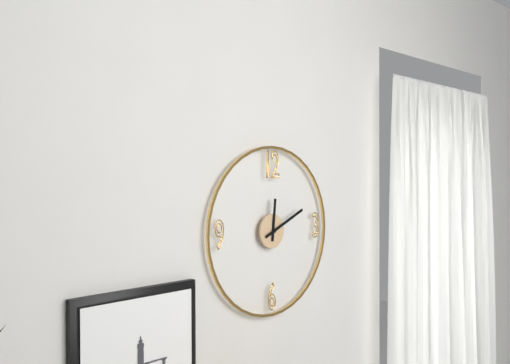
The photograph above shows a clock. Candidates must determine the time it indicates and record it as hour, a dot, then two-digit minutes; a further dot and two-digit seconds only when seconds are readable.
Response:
12.11
